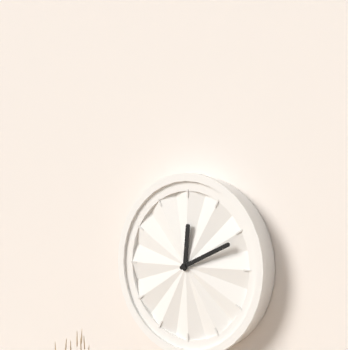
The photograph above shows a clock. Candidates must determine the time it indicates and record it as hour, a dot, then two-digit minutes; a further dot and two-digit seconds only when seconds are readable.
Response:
12.11
